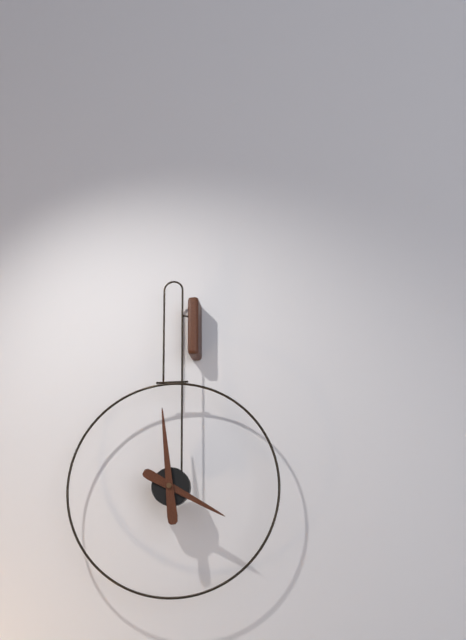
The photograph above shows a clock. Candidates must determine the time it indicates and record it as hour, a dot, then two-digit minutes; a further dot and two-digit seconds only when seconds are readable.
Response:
3.59
